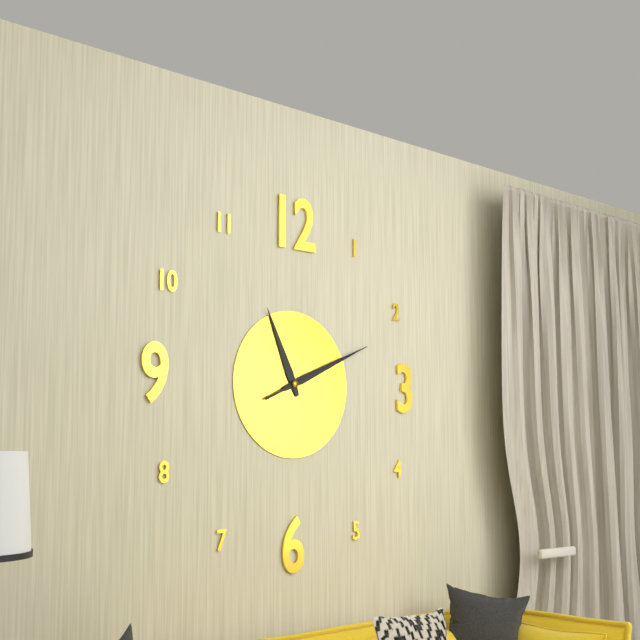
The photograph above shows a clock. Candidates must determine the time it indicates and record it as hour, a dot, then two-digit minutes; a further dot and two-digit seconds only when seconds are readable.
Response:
11.11.11
